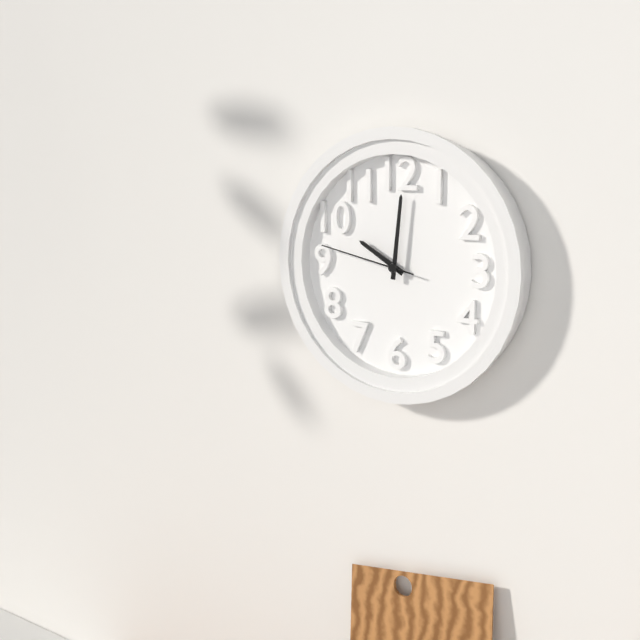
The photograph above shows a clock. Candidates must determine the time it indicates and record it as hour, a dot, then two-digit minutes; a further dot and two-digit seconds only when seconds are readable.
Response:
10.01.47
